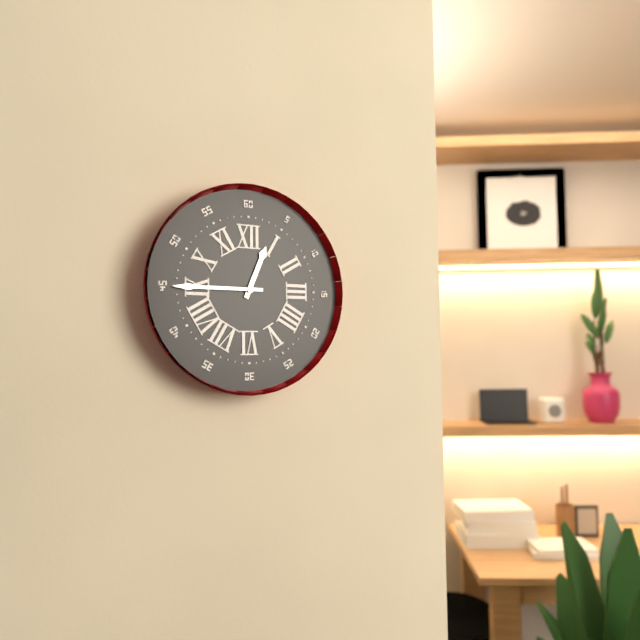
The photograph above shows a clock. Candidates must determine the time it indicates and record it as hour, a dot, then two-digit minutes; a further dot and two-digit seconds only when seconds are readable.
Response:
12.45
